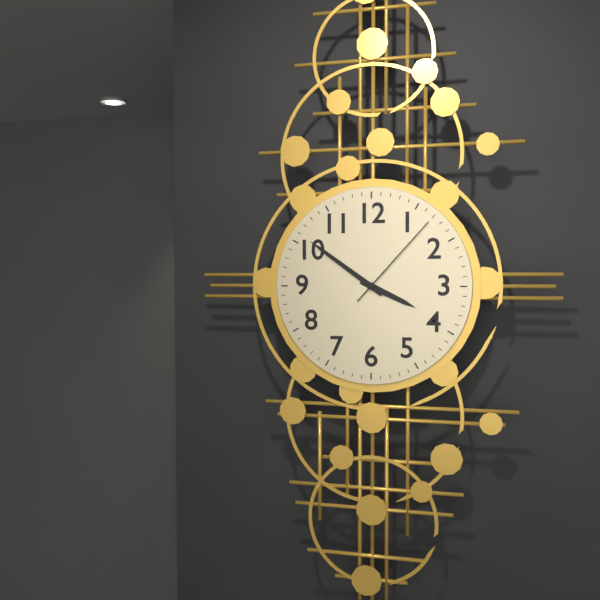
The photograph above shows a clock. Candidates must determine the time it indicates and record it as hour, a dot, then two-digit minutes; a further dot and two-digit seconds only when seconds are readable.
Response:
3.51.07
